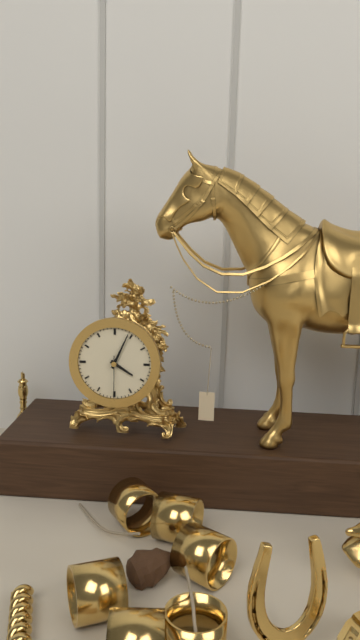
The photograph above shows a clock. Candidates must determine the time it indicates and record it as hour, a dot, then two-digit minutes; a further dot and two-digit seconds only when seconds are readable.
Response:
4.04
